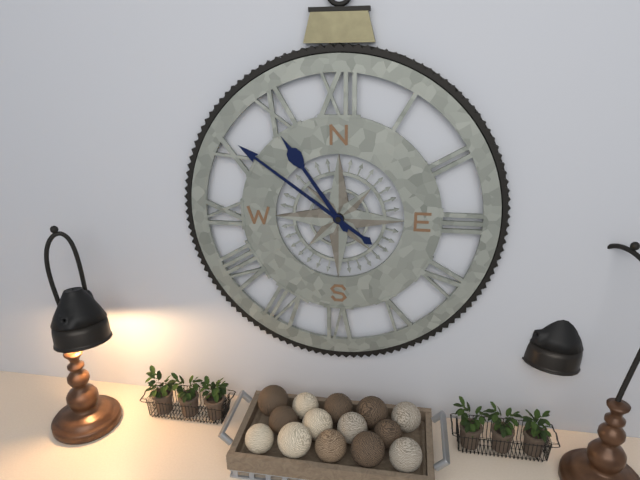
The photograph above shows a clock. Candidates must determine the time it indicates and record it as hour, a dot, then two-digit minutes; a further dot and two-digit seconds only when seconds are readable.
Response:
10.51
